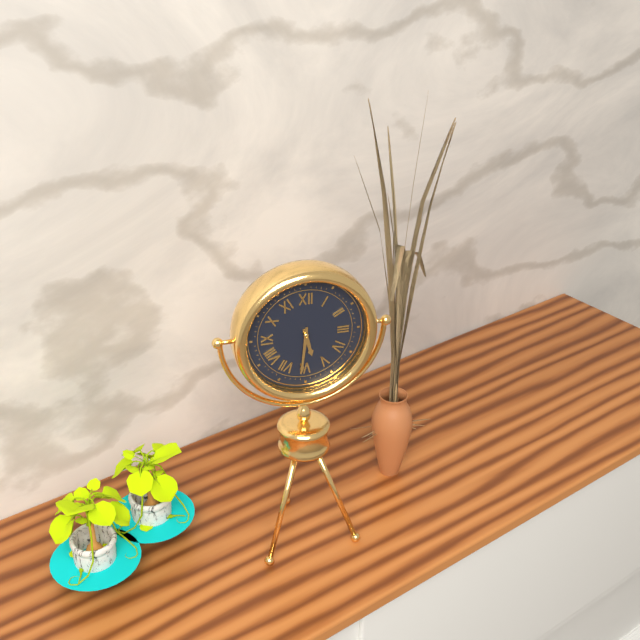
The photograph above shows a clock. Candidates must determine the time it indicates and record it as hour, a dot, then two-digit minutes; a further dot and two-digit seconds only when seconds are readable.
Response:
5.31
